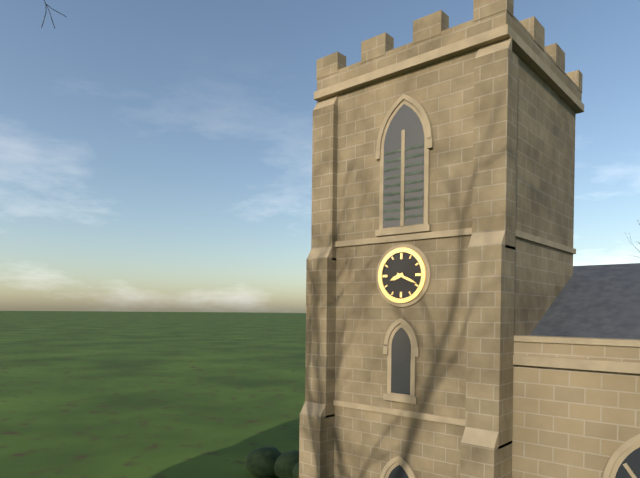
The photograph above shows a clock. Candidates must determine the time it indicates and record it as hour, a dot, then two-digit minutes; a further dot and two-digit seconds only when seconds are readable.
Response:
8.19
